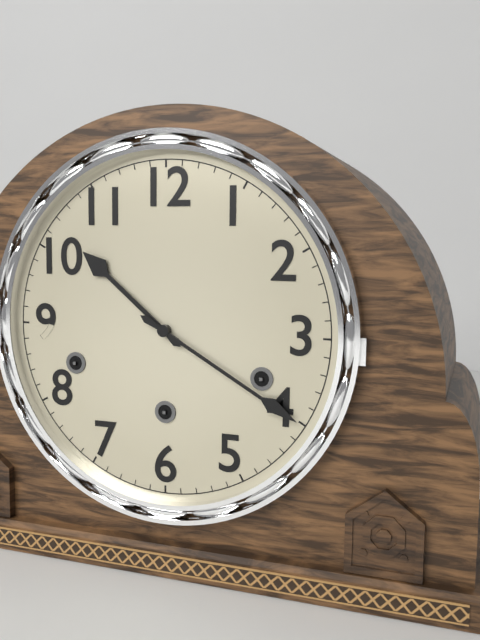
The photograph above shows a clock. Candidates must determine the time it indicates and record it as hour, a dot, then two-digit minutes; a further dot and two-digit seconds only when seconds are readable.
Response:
10.20
